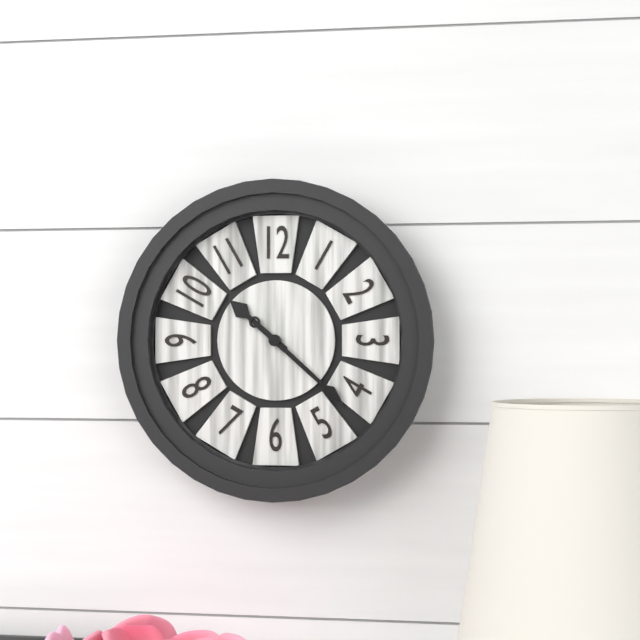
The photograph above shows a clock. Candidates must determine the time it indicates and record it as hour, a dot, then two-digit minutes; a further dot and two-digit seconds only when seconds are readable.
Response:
10.22
